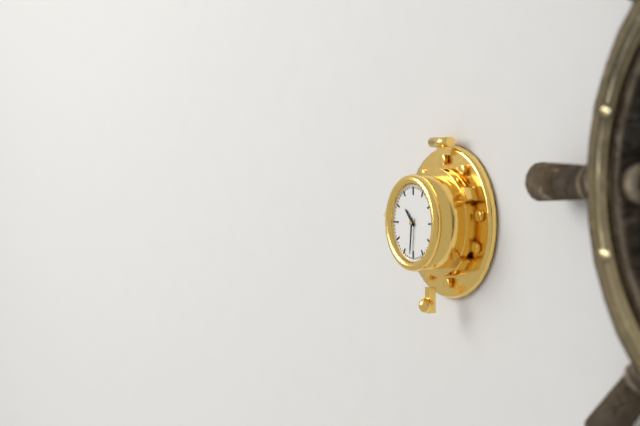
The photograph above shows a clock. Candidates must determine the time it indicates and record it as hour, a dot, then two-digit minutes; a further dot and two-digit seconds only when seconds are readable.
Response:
10.31
